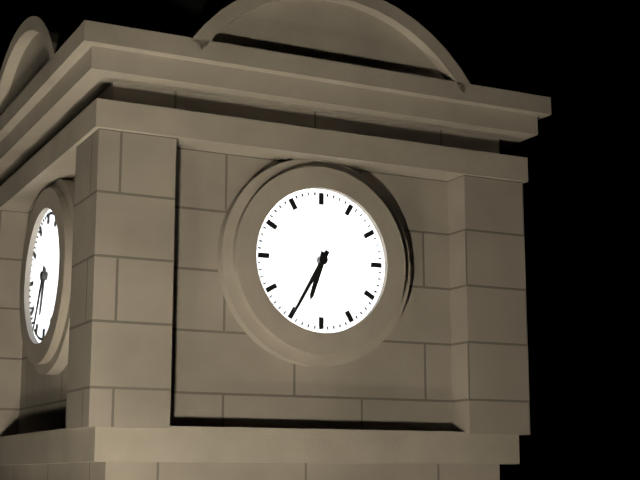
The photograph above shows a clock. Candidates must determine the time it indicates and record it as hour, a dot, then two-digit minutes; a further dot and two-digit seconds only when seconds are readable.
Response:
6.35
